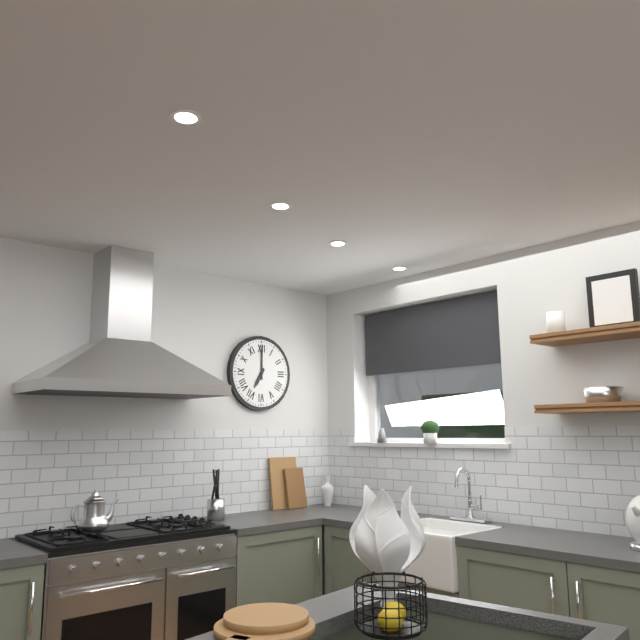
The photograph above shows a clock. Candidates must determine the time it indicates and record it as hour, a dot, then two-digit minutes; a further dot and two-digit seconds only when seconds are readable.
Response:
7.00
